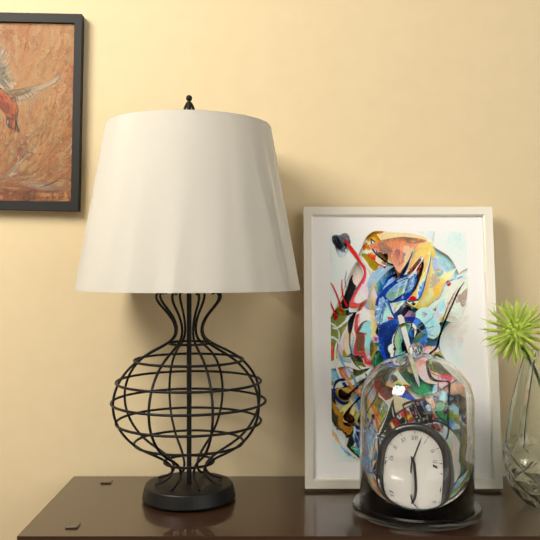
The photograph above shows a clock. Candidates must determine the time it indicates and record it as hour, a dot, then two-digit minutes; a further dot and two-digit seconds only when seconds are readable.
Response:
5.03
